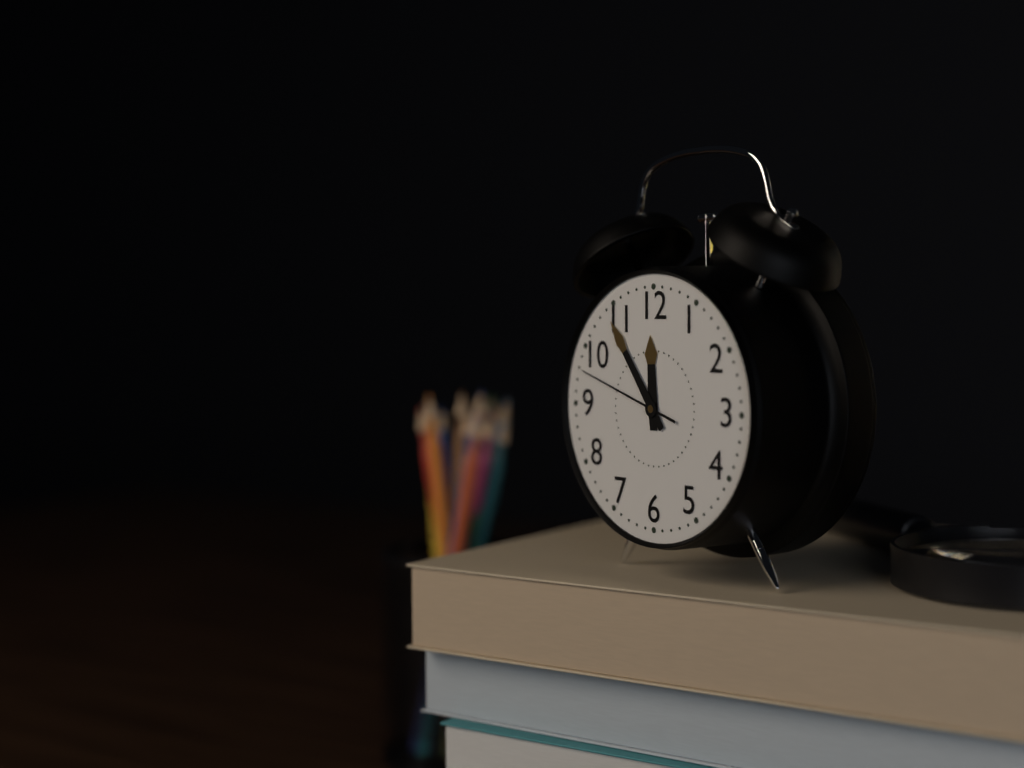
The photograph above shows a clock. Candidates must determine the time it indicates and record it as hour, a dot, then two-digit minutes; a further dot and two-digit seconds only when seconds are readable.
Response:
11.54.48
